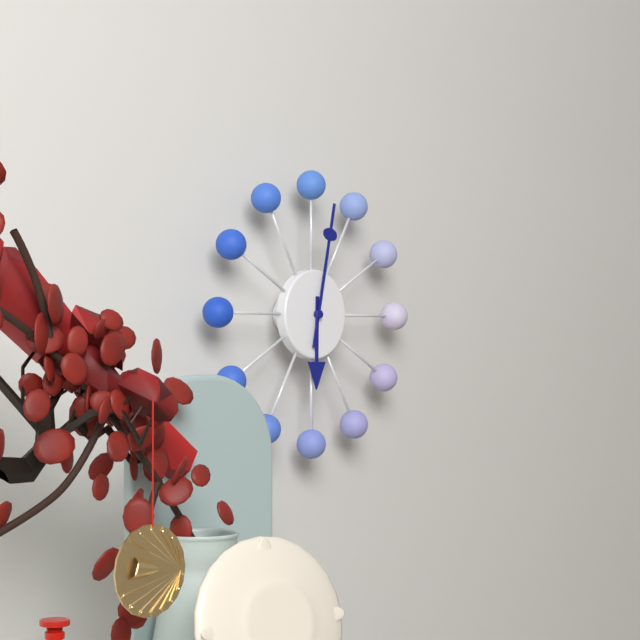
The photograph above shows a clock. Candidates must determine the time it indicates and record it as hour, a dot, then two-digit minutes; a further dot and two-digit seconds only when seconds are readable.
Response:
6.02
